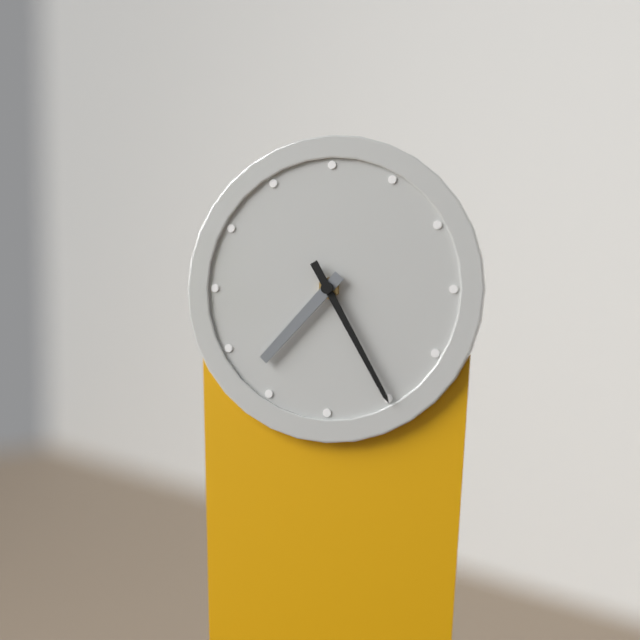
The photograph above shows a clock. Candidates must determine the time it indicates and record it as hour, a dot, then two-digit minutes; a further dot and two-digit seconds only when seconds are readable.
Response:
7.25
